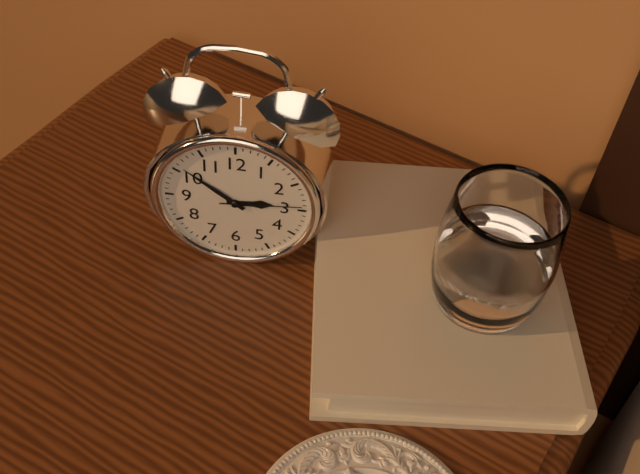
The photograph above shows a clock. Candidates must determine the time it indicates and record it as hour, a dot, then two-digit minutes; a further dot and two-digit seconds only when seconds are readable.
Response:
2.51.14
